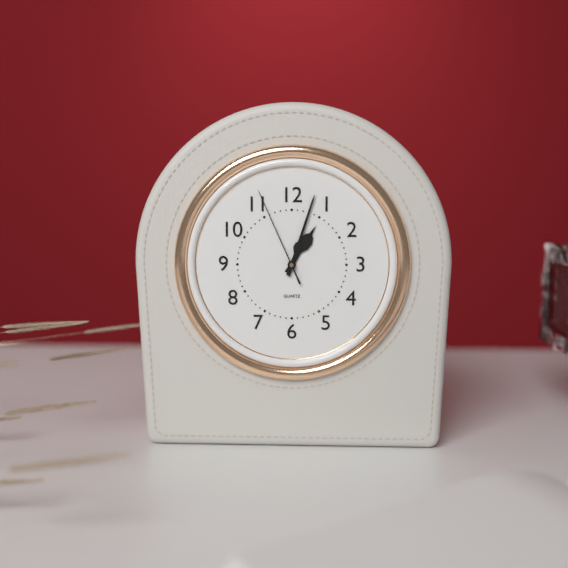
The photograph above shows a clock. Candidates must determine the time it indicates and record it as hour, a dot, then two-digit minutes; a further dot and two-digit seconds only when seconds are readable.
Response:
1.03.56
